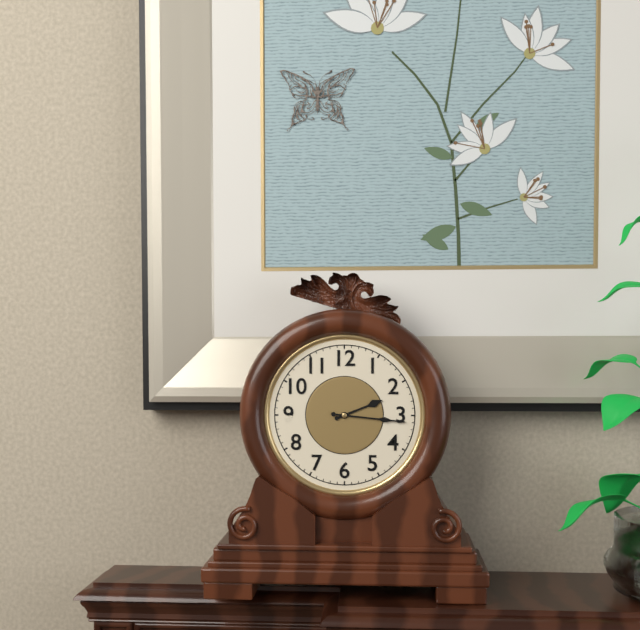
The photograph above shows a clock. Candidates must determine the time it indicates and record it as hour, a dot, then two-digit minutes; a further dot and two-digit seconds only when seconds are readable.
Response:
2.16
